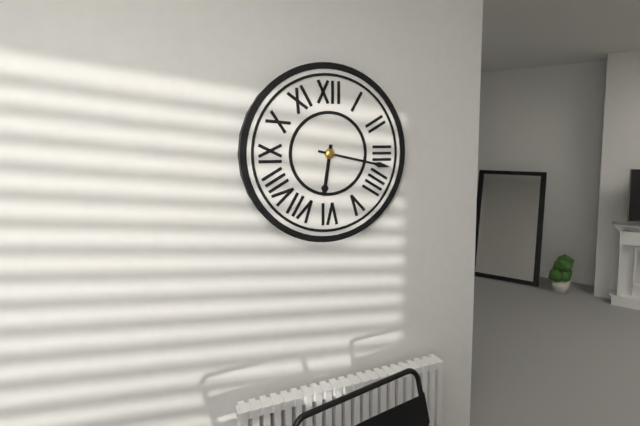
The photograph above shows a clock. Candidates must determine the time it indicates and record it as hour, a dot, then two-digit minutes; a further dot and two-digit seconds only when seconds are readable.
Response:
6.17
